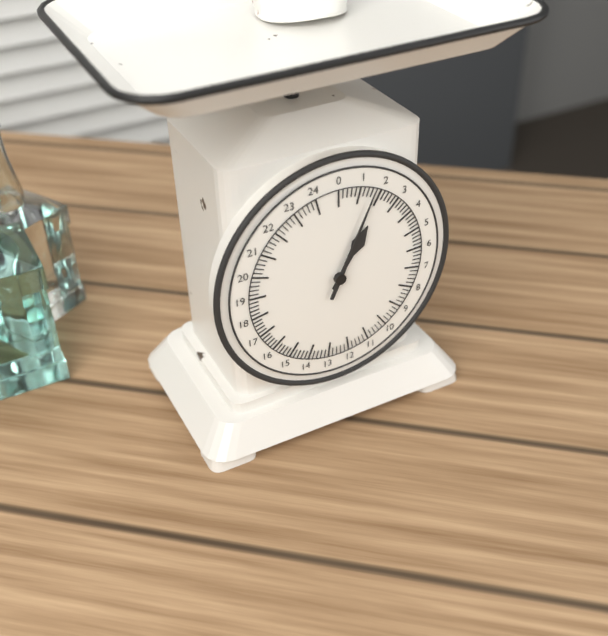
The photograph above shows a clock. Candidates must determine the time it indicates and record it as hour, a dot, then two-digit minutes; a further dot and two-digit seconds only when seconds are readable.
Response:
1.04
